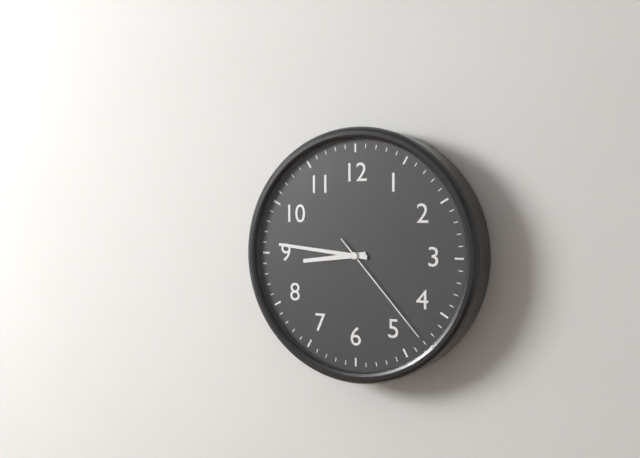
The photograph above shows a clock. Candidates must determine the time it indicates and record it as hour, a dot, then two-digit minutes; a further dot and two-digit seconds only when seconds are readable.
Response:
8.46.23
